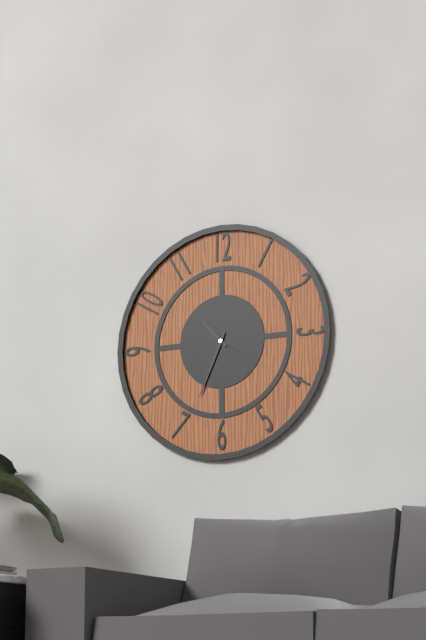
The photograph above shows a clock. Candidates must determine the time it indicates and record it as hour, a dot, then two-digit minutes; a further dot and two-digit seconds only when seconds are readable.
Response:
10.34.20
